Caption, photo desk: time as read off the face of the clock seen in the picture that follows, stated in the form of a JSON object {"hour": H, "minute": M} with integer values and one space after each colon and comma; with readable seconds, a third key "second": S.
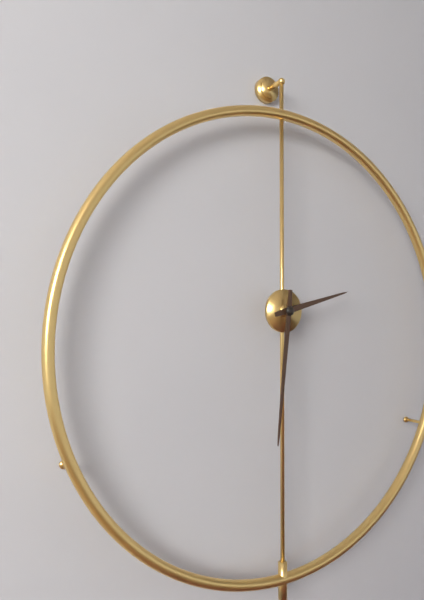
{"hour": 2, "minute": 31}
